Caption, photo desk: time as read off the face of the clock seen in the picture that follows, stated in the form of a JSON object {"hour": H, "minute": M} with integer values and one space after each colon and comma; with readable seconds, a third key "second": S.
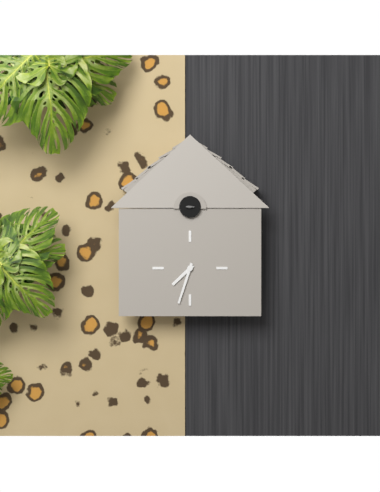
{"hour": 7, "minute": 33}
